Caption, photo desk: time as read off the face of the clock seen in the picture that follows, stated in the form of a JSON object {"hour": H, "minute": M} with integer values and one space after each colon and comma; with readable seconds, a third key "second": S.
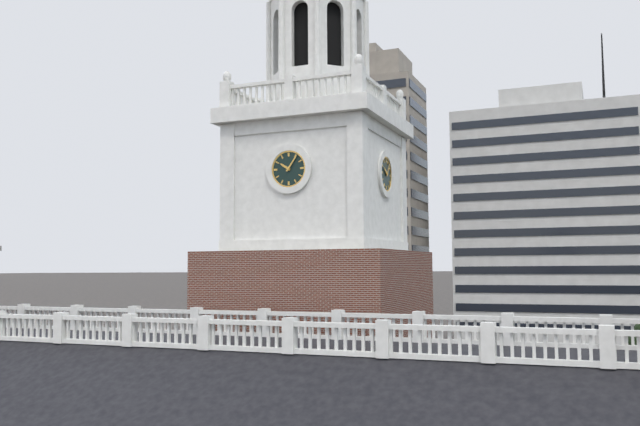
{"hour": 10, "minute": 6}
